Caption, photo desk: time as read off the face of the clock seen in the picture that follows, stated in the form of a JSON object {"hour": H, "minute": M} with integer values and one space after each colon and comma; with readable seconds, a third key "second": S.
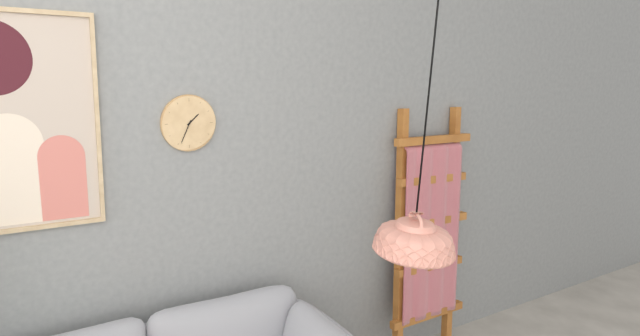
{"hour": 1, "minute": 34}
